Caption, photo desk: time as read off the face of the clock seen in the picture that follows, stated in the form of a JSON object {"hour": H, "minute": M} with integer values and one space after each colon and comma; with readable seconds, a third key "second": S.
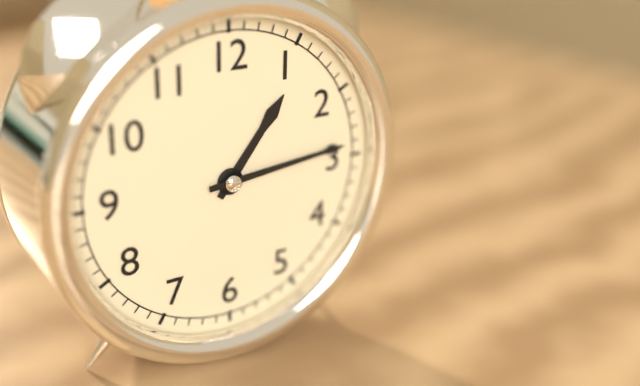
{"hour": 1, "minute": 14}
